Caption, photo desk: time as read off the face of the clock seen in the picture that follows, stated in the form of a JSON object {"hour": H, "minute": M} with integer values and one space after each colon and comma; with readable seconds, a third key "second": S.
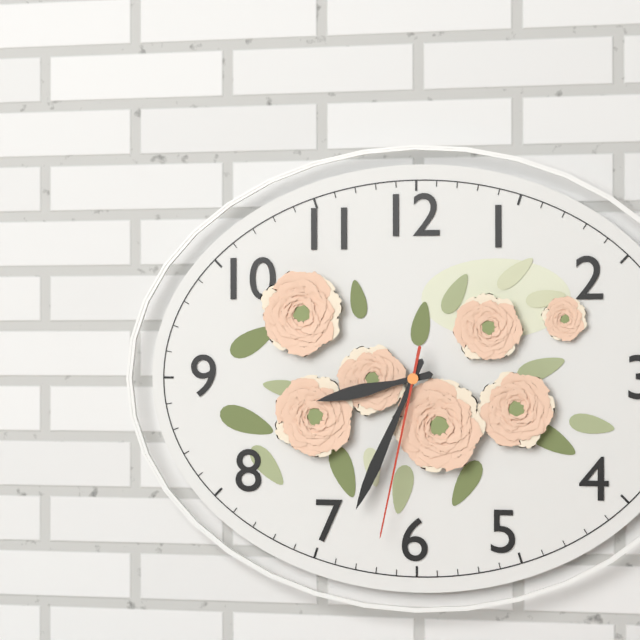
{"hour": 8, "minute": 34, "second": 32}
